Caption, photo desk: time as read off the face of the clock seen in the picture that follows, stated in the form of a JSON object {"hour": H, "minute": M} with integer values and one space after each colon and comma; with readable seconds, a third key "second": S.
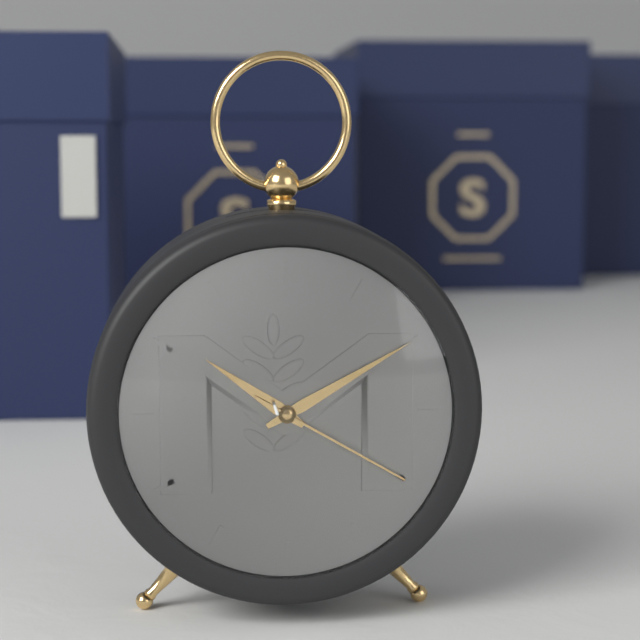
{"hour": 10, "minute": 10, "second": 20}
